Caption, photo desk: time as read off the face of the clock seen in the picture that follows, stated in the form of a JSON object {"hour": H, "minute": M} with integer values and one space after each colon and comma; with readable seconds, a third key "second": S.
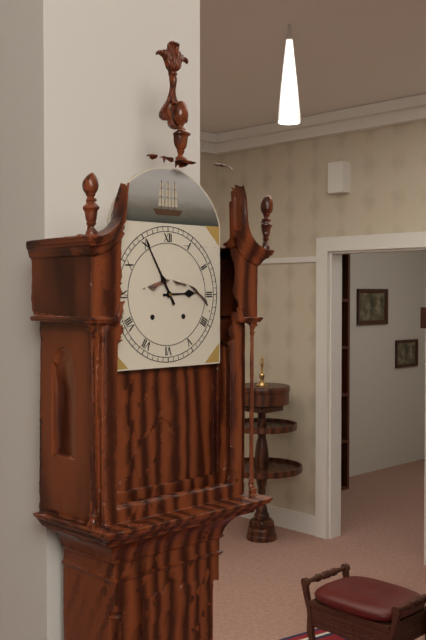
{"hour": 2, "minute": 55}
